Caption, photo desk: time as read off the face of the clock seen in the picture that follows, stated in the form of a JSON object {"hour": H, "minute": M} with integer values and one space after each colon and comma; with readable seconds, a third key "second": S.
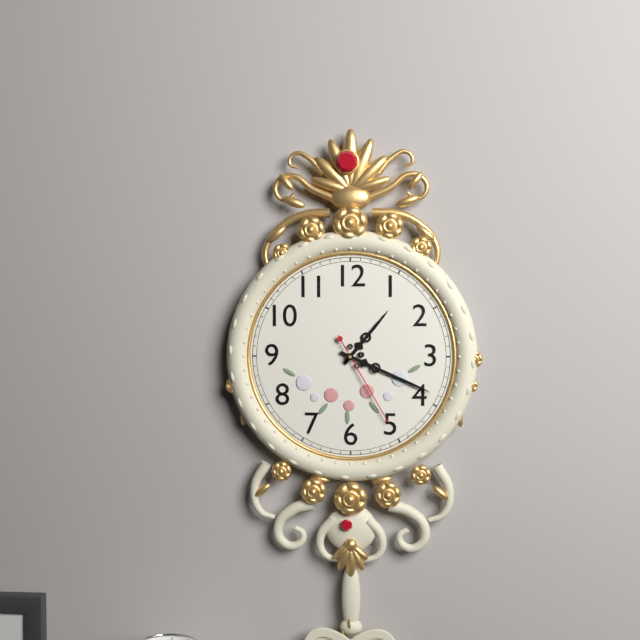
{"hour": 1, "minute": 19, "second": 25}
